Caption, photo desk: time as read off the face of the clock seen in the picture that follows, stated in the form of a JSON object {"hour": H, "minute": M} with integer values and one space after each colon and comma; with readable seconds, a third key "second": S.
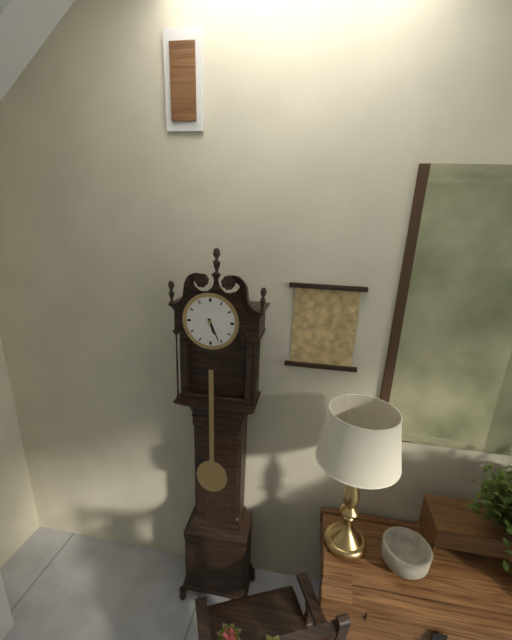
{"hour": 5, "minute": 26}
